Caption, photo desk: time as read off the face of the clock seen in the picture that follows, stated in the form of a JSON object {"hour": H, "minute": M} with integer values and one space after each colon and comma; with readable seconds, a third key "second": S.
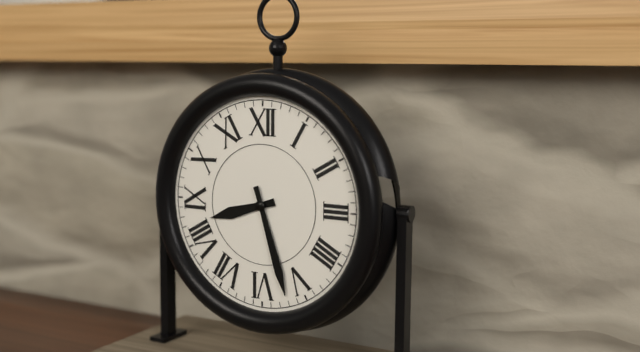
{"hour": 8, "minute": 27}
